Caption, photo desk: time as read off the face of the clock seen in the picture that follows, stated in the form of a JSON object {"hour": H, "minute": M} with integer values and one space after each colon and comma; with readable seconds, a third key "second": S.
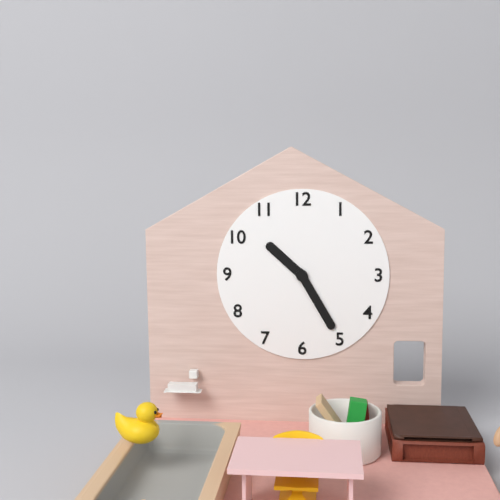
{"hour": 10, "minute": 25}
